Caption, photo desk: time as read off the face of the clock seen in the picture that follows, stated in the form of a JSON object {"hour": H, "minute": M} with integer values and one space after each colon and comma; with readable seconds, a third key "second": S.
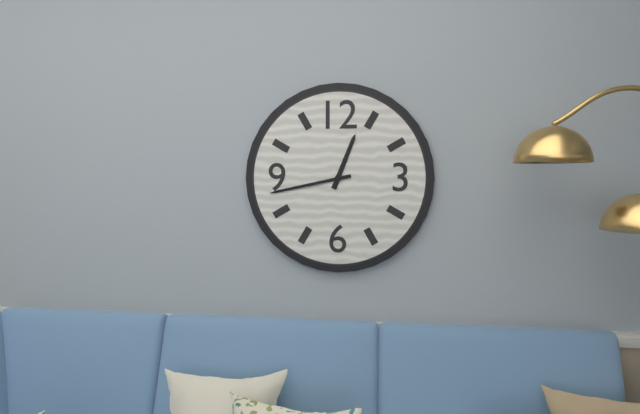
{"hour": 12, "minute": 43}
